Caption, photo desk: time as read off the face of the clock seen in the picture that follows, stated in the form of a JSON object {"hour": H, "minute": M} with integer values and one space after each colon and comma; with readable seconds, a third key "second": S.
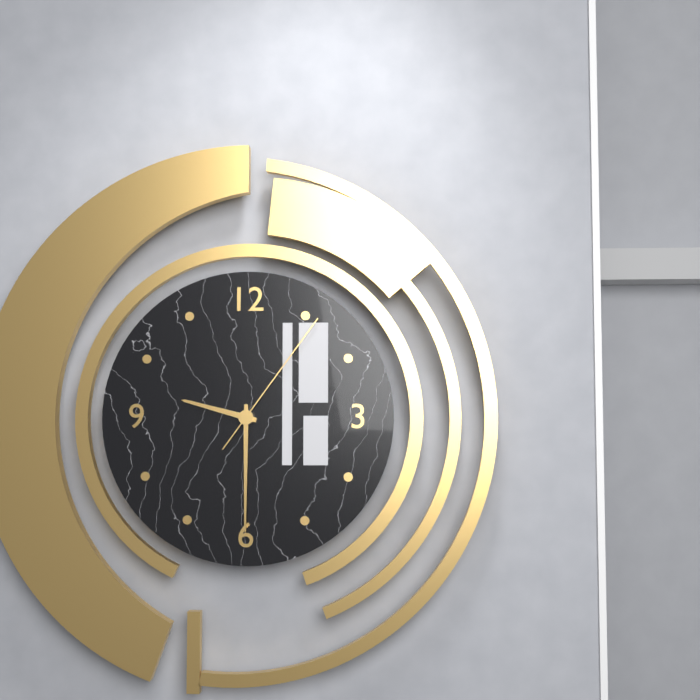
{"hour": 9, "minute": 30, "second": 6}
